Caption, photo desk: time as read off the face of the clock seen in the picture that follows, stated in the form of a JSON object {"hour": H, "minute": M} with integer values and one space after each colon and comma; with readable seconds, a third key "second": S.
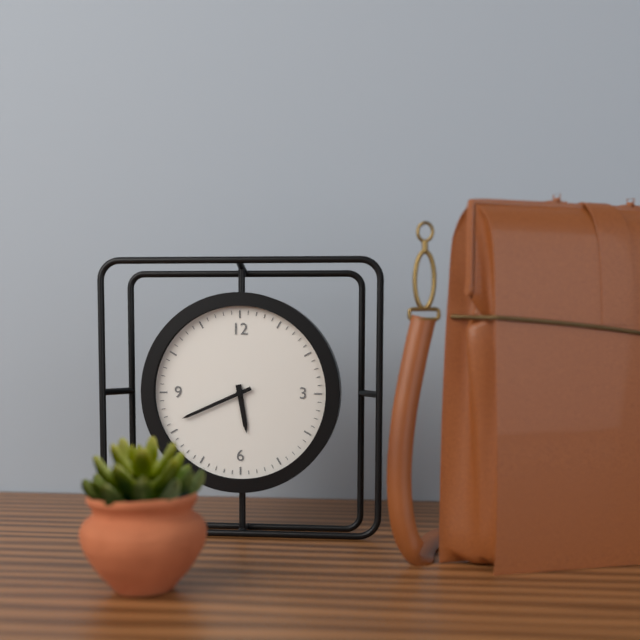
{"hour": 5, "minute": 41}
